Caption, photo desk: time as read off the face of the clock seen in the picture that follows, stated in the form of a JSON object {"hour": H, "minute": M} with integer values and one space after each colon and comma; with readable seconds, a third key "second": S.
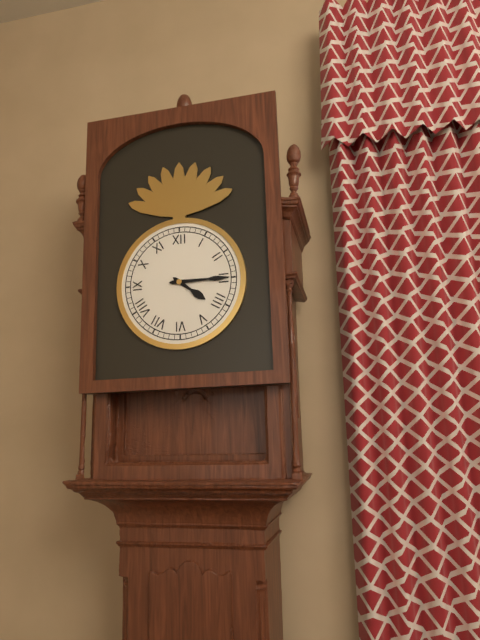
{"hour": 4, "minute": 15}
